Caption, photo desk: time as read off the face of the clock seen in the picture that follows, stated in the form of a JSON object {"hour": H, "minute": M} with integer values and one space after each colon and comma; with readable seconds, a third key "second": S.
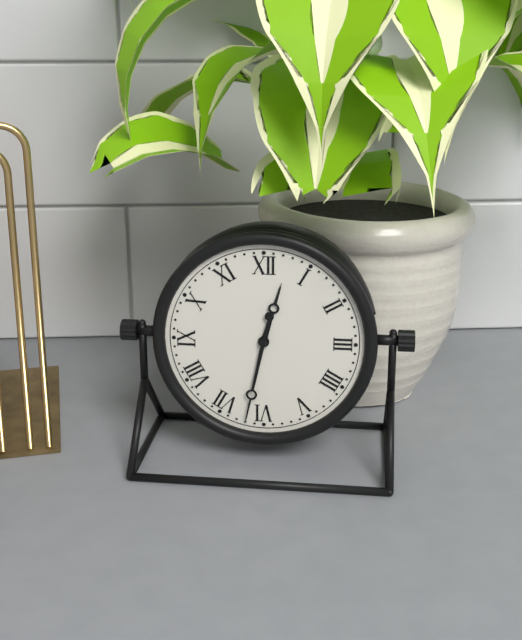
{"hour": 12, "minute": 32}
